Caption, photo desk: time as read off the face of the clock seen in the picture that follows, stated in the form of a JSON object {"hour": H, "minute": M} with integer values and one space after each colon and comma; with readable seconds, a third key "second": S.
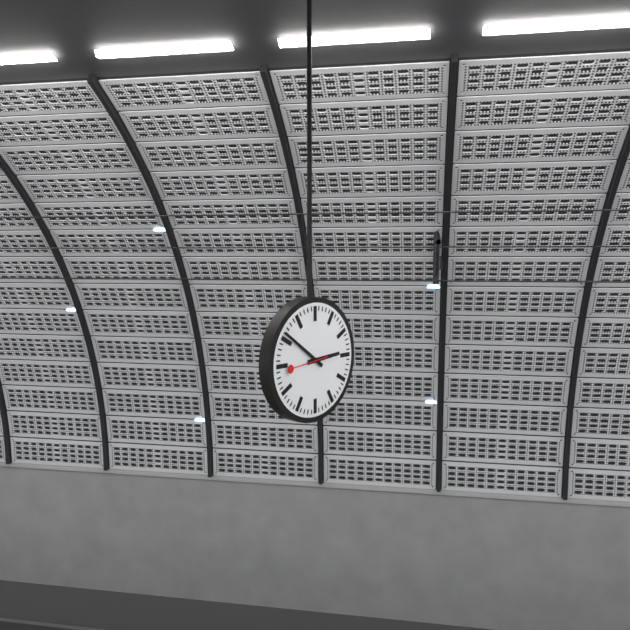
{"hour": 2, "minute": 51}
